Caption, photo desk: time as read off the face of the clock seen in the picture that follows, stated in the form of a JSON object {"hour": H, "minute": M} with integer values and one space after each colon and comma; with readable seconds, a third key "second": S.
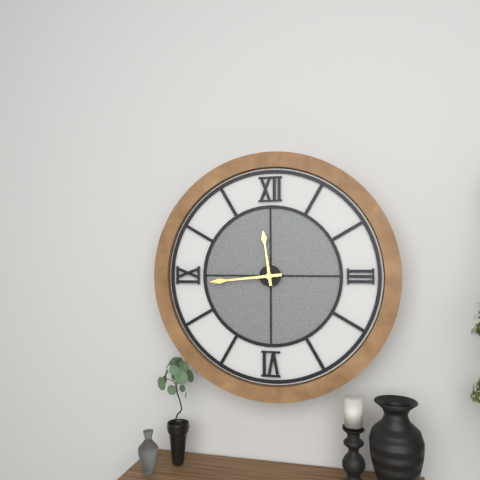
{"hour": 11, "minute": 44}
